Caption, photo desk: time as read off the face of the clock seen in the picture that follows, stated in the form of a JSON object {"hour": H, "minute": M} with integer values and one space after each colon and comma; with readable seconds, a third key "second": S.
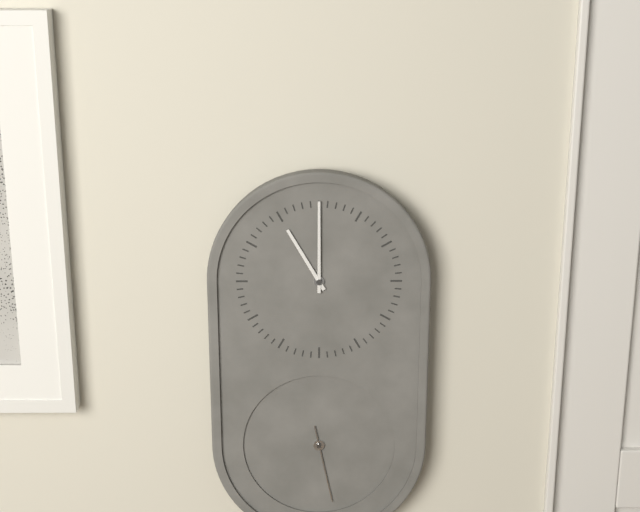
{"hour": 11, "minute": 0, "second": 28}
